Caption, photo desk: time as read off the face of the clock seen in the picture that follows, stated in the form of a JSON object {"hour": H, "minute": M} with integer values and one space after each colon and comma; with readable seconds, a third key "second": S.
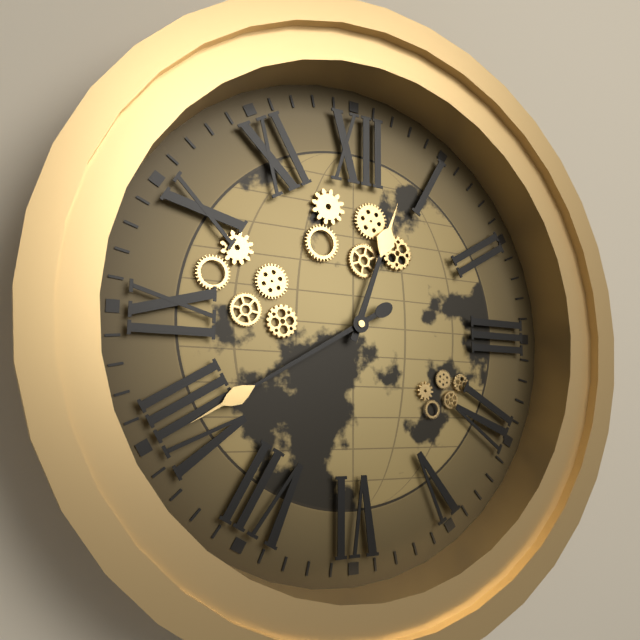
{"hour": 12, "minute": 40}
